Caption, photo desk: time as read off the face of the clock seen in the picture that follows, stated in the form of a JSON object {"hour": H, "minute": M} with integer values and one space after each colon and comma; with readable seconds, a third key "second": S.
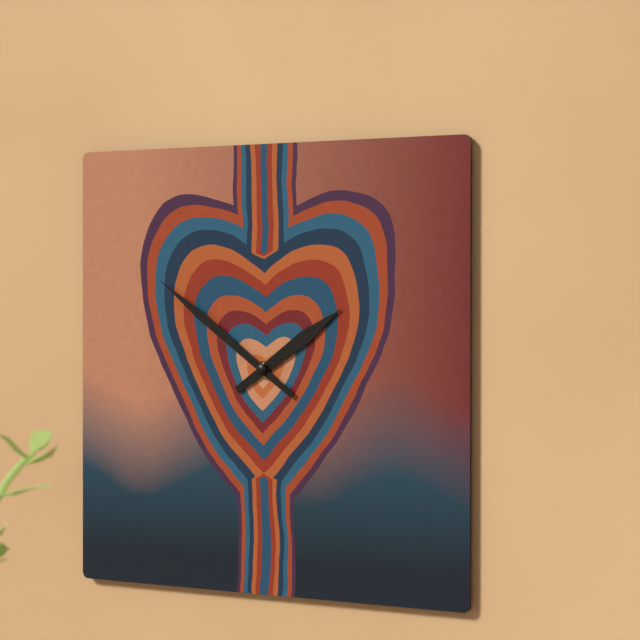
{"hour": 1, "minute": 51}
